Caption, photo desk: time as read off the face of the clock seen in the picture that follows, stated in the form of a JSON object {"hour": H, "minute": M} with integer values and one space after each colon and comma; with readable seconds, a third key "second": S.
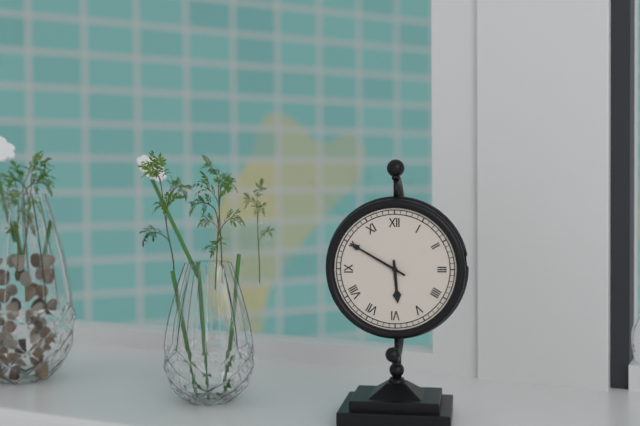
{"hour": 5, "minute": 50}
